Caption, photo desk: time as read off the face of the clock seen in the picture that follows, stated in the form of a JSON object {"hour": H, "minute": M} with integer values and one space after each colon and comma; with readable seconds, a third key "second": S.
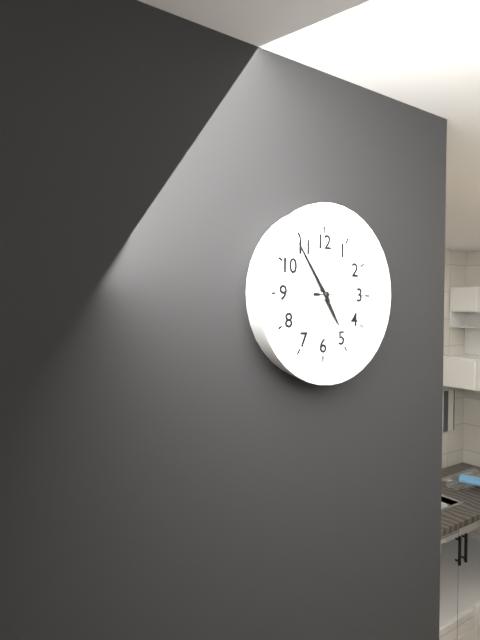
{"hour": 4, "minute": 54, "second": 15}
